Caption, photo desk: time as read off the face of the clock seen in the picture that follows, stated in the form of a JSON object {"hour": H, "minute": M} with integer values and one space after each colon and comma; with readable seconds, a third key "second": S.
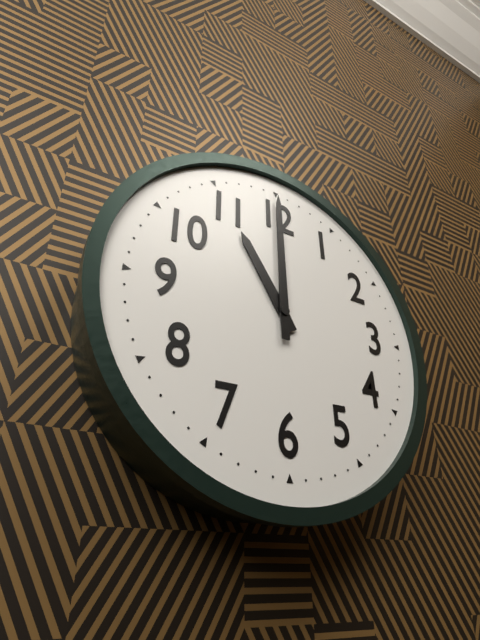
{"hour": 11, "minute": 0}
